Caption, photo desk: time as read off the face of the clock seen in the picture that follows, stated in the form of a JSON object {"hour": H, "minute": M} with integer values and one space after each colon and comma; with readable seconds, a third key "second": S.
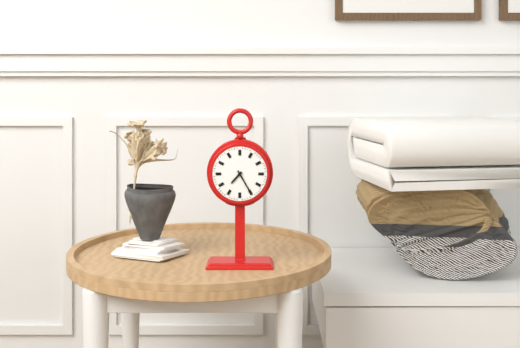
{"hour": 7, "minute": 25}
